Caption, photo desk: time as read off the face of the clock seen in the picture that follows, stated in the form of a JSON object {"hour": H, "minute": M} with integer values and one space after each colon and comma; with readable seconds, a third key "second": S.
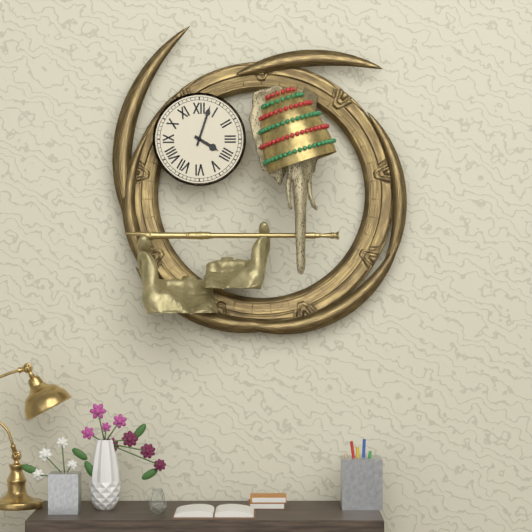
{"hour": 4, "minute": 3}
